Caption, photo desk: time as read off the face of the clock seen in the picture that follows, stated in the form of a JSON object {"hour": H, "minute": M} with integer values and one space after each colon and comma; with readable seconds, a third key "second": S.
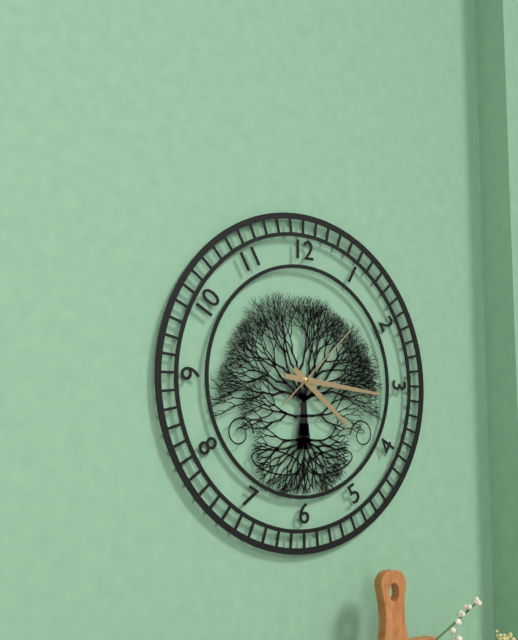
{"hour": 4, "minute": 16, "second": 8}
